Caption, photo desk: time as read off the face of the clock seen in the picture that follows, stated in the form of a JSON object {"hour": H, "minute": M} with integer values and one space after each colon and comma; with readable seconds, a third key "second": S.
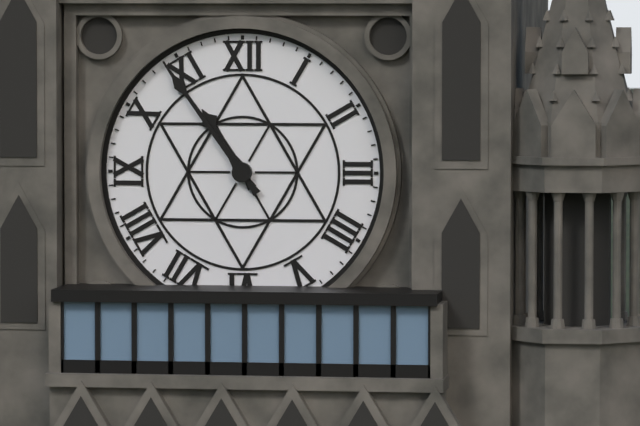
{"hour": 10, "minute": 54}
